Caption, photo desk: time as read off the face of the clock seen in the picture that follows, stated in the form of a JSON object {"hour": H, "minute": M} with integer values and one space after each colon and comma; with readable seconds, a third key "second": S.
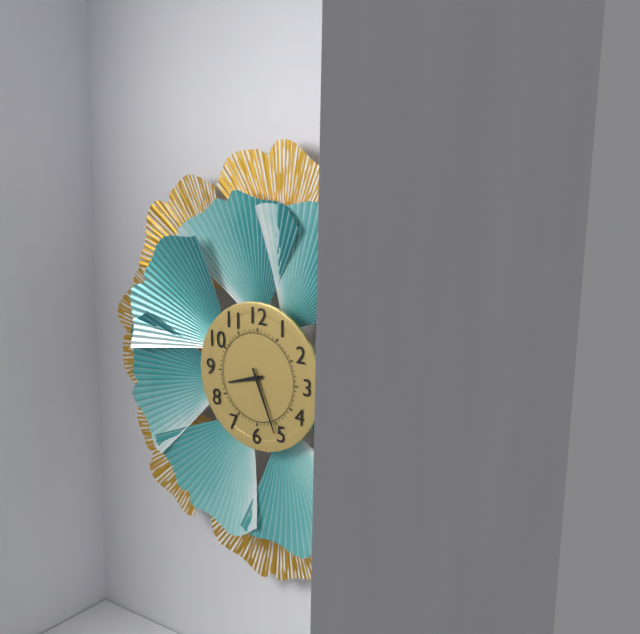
{"hour": 8, "minute": 26}
